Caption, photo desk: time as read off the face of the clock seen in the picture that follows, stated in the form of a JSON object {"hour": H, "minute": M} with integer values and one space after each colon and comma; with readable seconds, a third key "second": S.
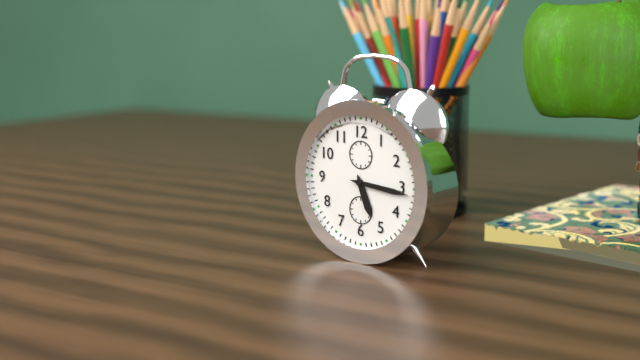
{"hour": 5, "minute": 16}
